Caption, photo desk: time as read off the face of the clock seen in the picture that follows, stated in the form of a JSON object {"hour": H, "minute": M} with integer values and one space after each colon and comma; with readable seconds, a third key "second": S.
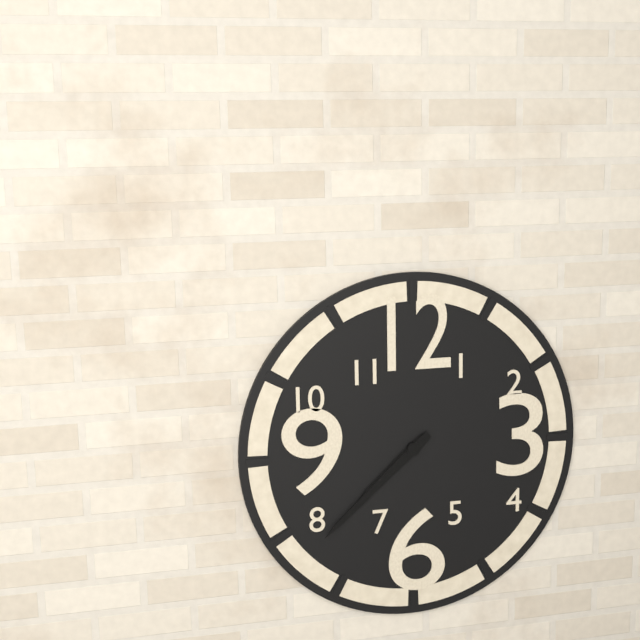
{"hour": 7, "minute": 38}
